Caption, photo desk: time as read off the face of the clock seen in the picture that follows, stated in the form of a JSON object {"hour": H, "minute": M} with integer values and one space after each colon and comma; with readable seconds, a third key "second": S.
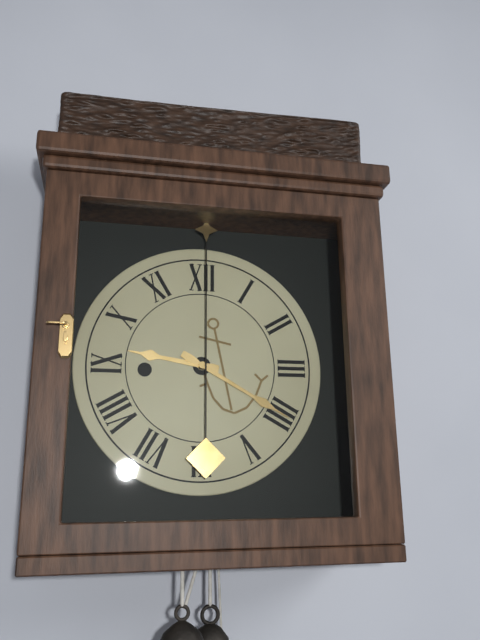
{"hour": 9, "minute": 20}
